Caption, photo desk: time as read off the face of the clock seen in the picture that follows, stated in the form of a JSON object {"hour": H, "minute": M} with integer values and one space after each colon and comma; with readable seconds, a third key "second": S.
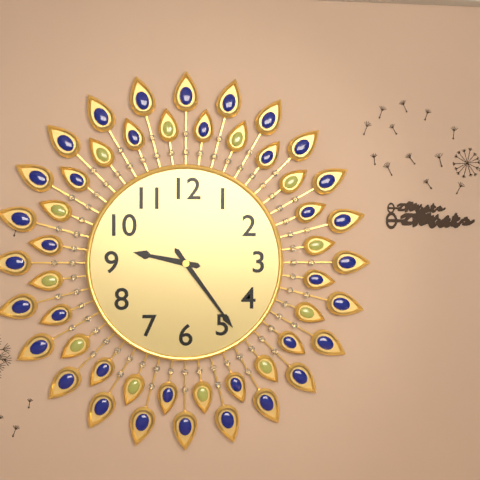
{"hour": 9, "minute": 24}
